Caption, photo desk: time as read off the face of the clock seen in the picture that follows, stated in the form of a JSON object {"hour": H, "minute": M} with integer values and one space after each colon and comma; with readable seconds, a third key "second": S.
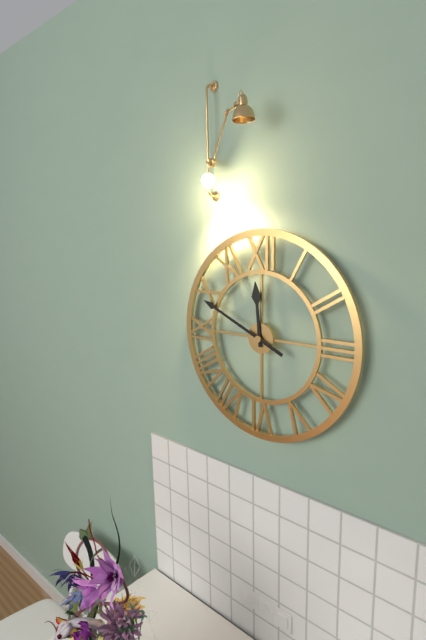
{"hour": 11, "minute": 49}
